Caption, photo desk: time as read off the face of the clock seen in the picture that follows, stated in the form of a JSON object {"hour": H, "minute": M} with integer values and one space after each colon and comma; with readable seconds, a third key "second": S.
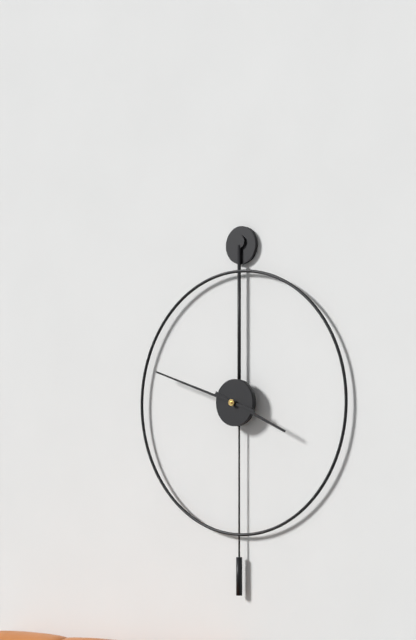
{"hour": 3, "minute": 48}
